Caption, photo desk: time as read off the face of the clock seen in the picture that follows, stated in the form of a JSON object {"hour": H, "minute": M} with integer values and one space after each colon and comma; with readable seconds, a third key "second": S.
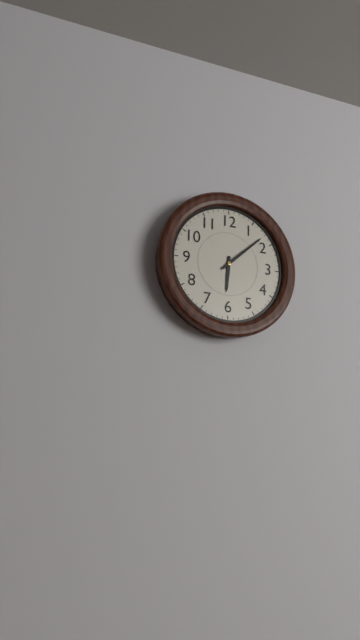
{"hour": 6, "minute": 8}
